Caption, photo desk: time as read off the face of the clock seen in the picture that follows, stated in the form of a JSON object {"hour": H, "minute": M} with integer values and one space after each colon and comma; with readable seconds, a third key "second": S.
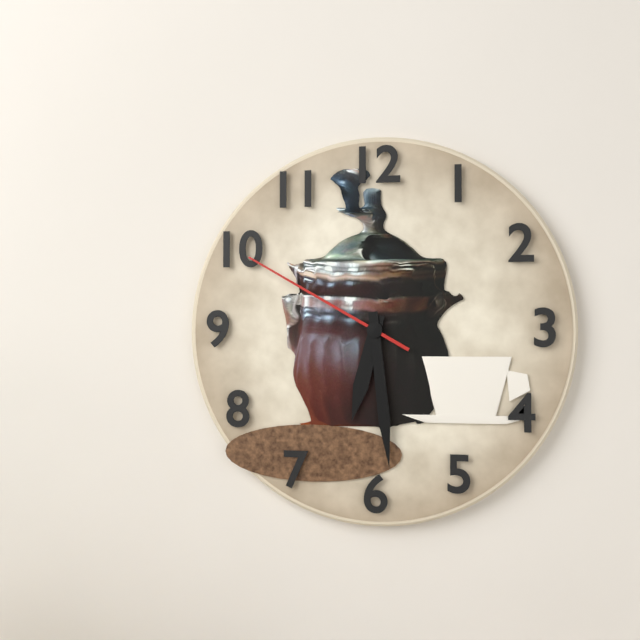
{"hour": 6, "minute": 29, "second": 50}
